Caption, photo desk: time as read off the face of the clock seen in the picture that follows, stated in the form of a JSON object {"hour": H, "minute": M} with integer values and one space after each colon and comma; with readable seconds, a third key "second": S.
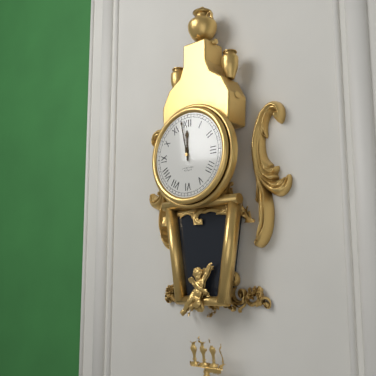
{"hour": 11, "minute": 58}
